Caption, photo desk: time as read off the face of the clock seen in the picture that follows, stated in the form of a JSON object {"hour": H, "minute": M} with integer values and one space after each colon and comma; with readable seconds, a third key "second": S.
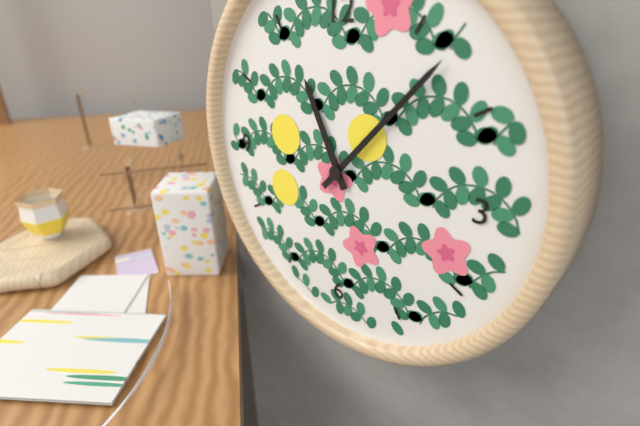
{"hour": 11, "minute": 7}
